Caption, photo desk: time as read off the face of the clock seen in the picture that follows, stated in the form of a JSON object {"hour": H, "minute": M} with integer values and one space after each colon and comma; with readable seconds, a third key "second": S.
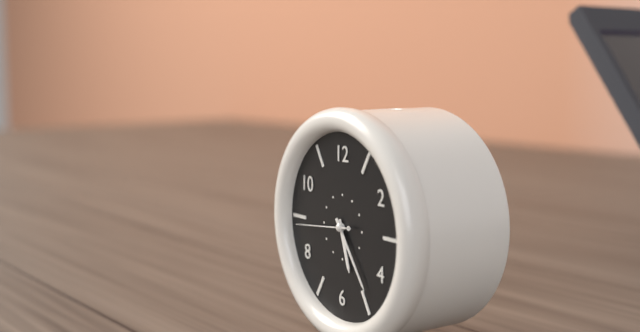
{"hour": 5, "minute": 24, "second": 44}
